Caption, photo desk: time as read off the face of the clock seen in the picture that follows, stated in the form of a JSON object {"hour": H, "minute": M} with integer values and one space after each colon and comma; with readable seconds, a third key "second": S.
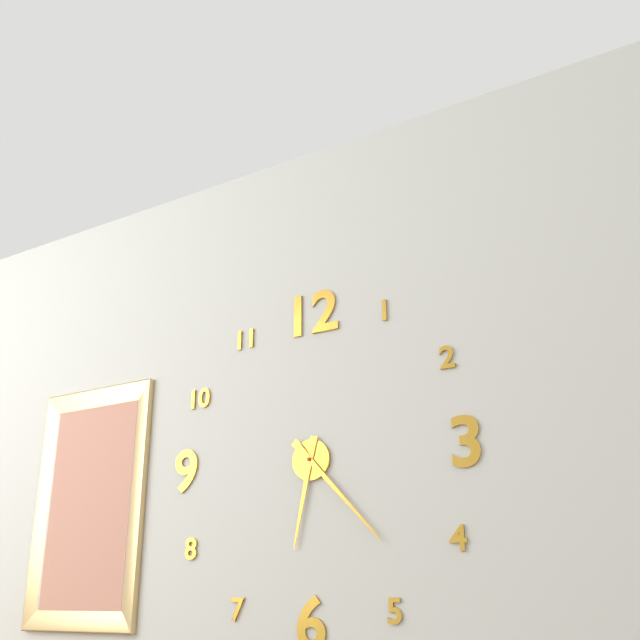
{"hour": 6, "minute": 23}
